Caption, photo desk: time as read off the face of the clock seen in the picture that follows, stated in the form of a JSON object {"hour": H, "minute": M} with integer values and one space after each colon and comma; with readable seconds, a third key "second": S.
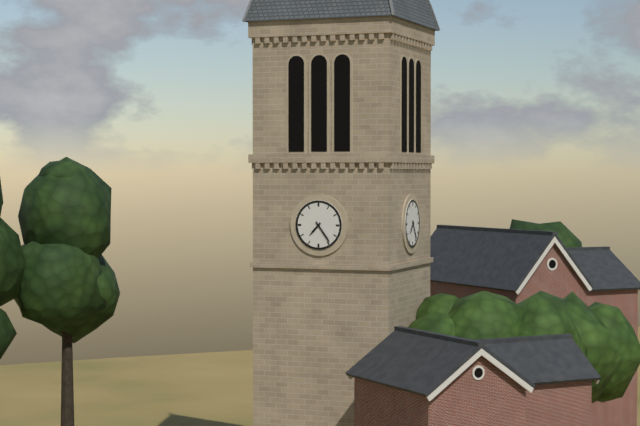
{"hour": 7, "minute": 24}
